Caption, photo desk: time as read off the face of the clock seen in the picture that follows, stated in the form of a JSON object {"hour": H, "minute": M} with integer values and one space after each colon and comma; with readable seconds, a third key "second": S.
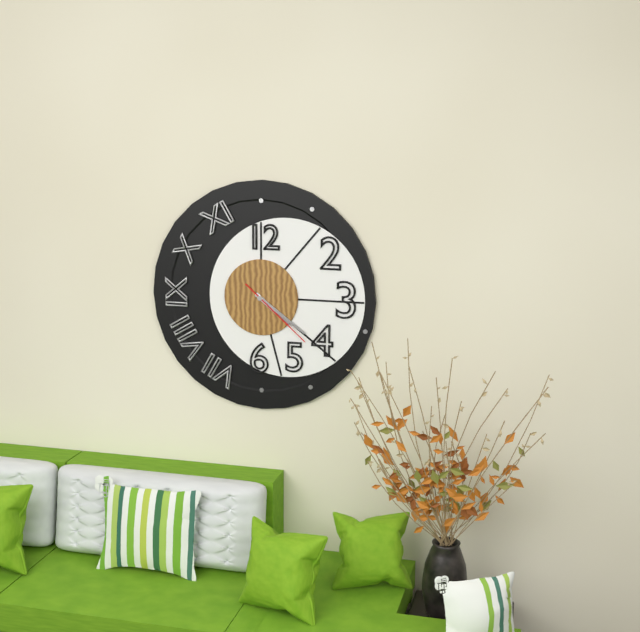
{"hour": 4, "minute": 21, "second": 22}
